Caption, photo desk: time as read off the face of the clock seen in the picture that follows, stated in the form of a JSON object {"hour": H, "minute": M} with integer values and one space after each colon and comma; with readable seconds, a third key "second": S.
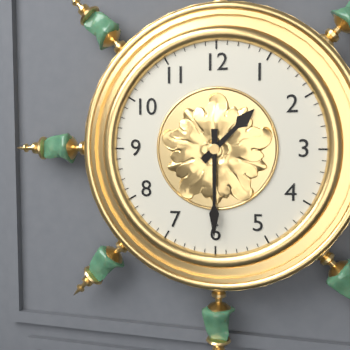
{"hour": 1, "minute": 30}
